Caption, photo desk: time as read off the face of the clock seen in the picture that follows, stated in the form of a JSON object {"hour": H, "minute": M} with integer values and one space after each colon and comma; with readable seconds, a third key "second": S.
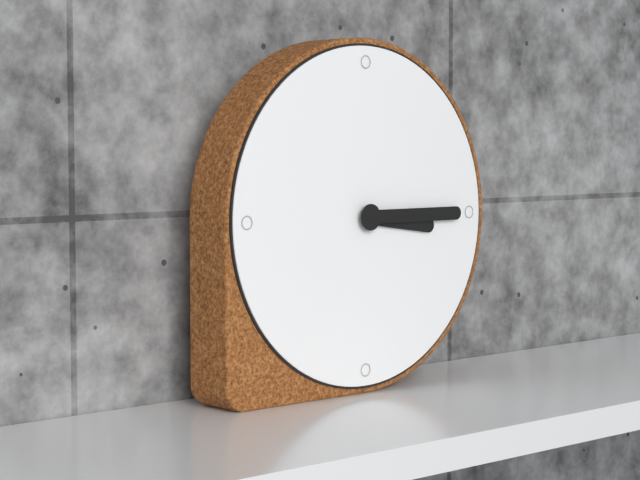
{"hour": 3, "minute": 15}
